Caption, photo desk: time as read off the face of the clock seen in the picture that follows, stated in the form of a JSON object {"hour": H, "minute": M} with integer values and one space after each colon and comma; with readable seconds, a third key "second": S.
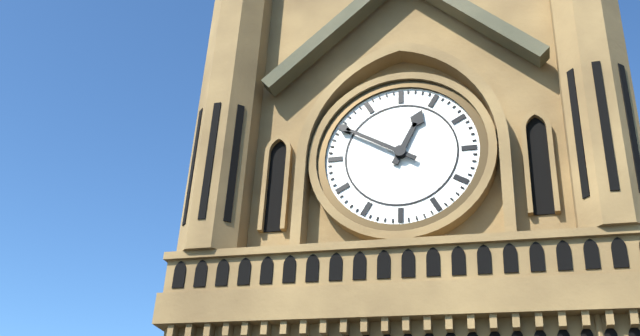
{"hour": 12, "minute": 50}
